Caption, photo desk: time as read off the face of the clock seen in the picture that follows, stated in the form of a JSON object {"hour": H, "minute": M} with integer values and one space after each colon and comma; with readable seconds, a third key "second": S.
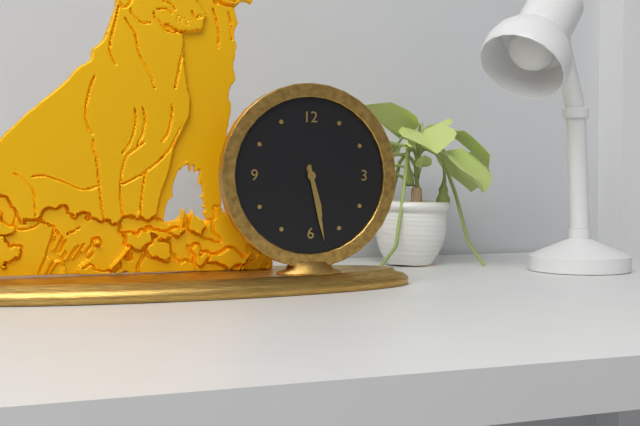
{"hour": 5, "minute": 28}
